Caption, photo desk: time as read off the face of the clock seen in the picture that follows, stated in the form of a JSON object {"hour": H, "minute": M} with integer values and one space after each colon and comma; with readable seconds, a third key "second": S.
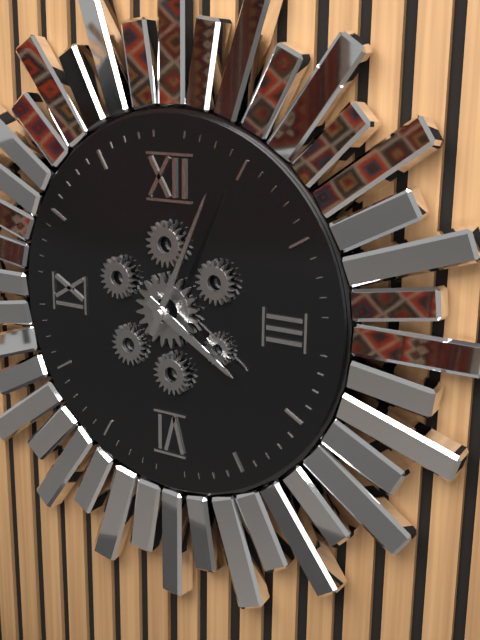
{"hour": 4, "minute": 4}
